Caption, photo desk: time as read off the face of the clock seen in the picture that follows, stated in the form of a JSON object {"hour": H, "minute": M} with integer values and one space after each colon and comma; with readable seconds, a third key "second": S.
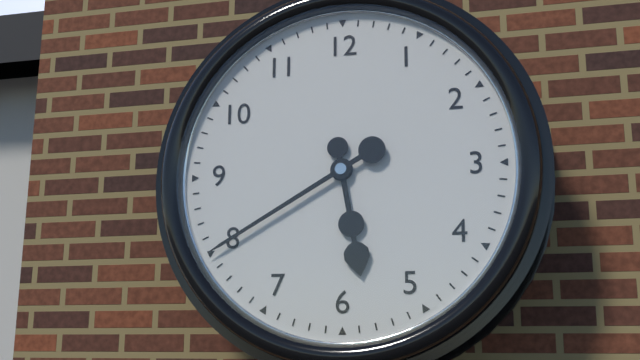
{"hour": 5, "minute": 40}
